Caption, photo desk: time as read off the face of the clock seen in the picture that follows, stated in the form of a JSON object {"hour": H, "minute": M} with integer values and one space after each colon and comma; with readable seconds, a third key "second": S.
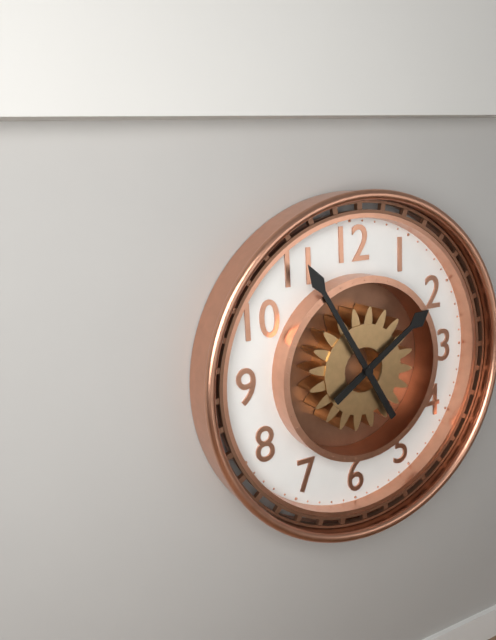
{"hour": 1, "minute": 55}
